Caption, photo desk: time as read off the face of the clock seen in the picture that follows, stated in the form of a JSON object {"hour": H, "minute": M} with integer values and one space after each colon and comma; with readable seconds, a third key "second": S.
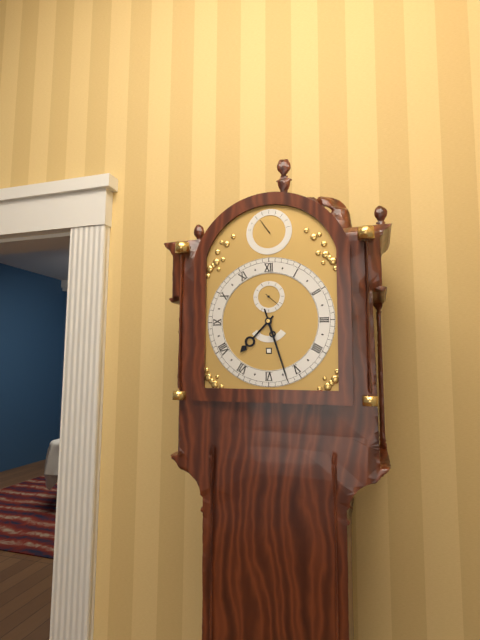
{"hour": 7, "minute": 27}
